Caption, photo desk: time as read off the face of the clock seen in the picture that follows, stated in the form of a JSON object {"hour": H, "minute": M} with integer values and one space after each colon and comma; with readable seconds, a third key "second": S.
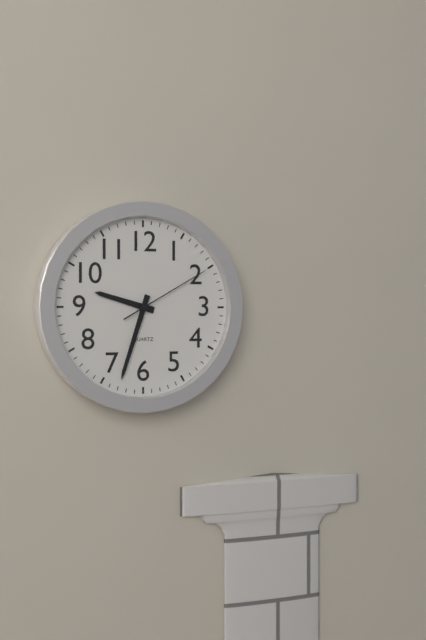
{"hour": 9, "minute": 33, "second": 10}
